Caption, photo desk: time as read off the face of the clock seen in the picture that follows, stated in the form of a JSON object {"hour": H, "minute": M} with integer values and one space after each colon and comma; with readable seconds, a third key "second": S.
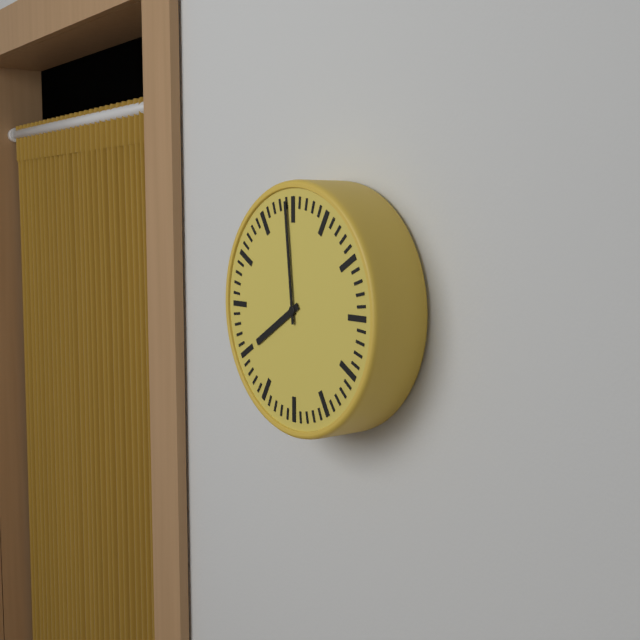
{"hour": 7, "minute": 59}
